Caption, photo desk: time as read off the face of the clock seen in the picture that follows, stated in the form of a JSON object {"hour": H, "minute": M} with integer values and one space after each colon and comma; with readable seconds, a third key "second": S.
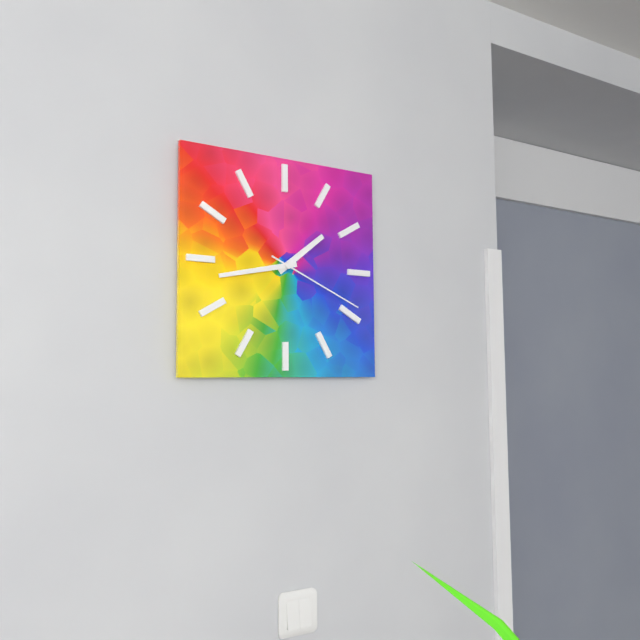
{"hour": 1, "minute": 43, "second": 19}
